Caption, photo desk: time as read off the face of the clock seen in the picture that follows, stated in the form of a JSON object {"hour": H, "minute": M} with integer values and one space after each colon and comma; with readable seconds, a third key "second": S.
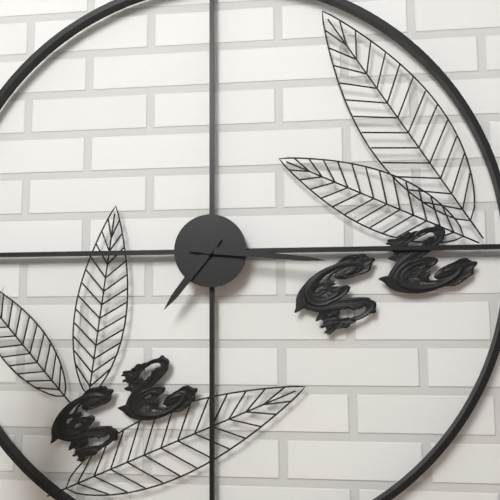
{"hour": 7, "minute": 16}
